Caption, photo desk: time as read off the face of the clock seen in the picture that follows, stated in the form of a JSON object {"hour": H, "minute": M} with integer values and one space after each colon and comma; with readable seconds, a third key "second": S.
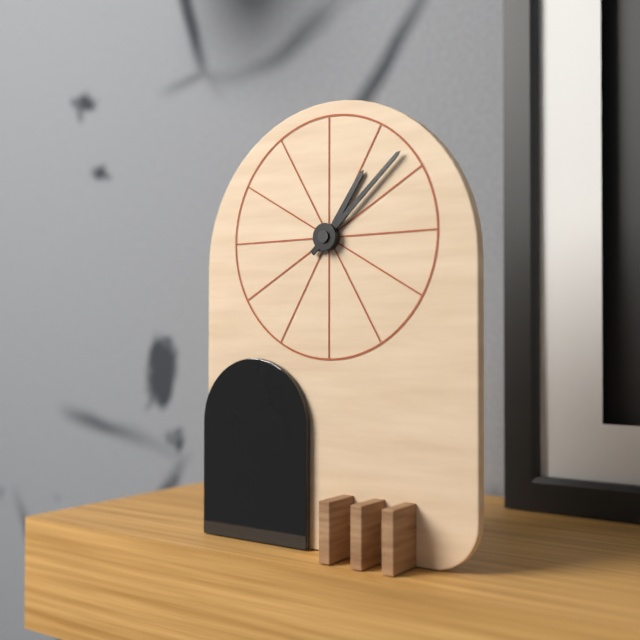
{"hour": 1, "minute": 8}
